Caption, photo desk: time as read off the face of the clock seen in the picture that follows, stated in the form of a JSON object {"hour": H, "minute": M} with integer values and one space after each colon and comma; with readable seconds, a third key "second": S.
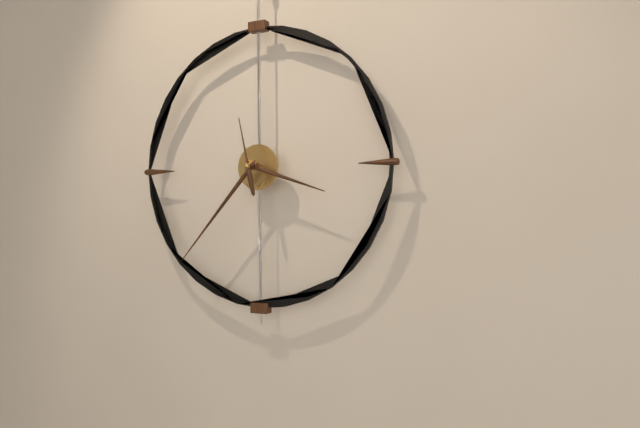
{"hour": 3, "minute": 37, "second": 58}
